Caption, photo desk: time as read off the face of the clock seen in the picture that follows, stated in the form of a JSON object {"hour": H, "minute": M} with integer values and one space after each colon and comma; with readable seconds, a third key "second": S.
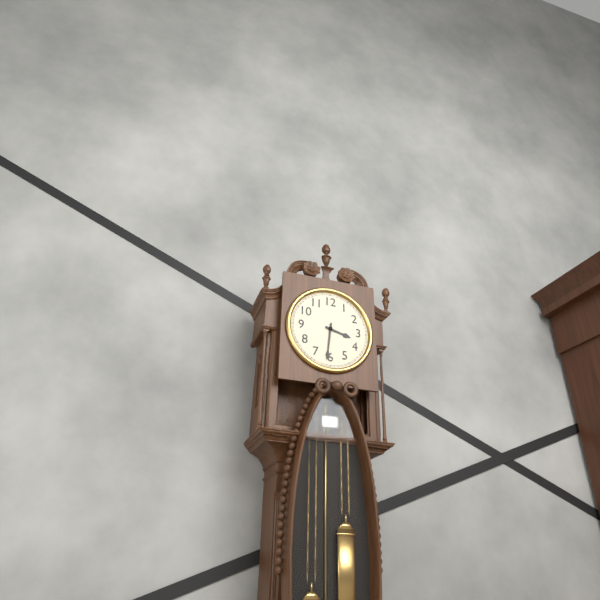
{"hour": 3, "minute": 31}
